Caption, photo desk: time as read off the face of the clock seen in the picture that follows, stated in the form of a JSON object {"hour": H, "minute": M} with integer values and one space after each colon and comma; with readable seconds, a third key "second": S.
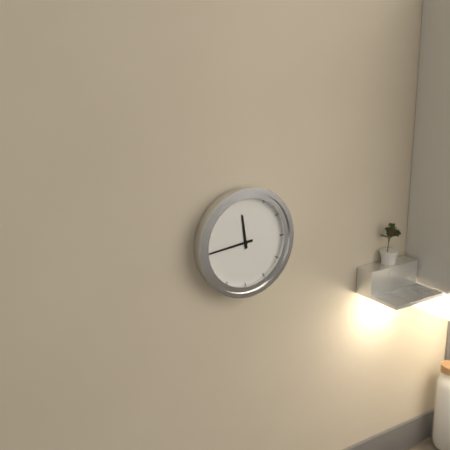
{"hour": 11, "minute": 44}
